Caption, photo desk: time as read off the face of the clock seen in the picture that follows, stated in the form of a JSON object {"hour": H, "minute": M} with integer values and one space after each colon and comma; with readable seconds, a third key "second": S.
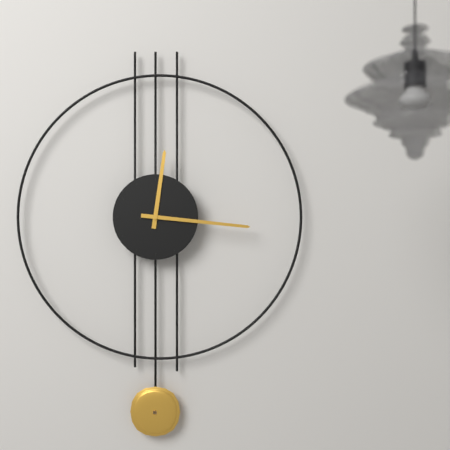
{"hour": 12, "minute": 16}
